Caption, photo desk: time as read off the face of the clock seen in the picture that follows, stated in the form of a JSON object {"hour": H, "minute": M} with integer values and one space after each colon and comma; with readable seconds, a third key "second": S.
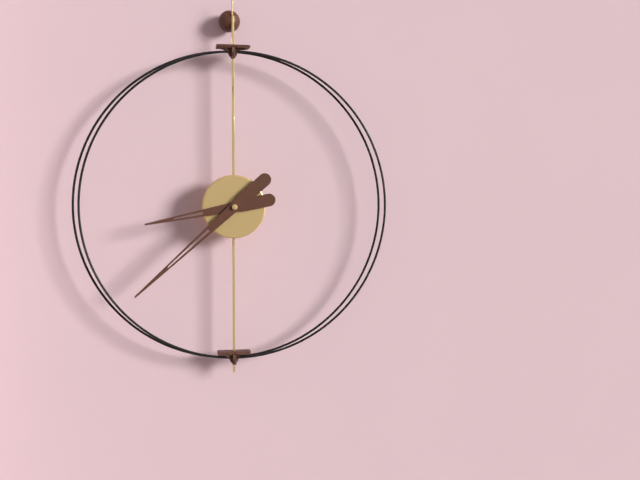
{"hour": 8, "minute": 38}
